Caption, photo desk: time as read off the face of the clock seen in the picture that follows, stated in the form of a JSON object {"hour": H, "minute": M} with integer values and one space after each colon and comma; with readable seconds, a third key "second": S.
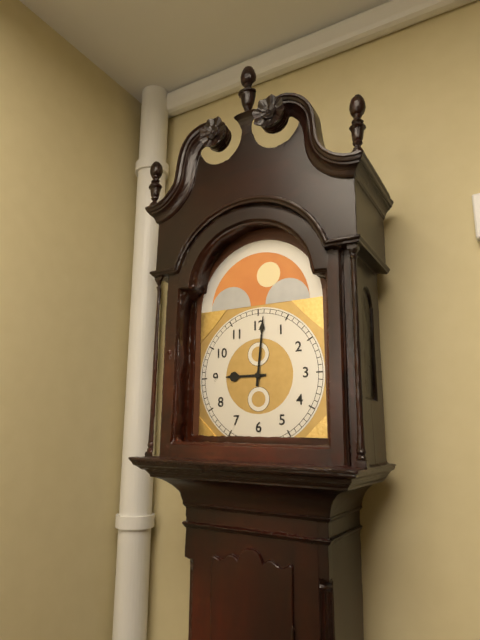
{"hour": 9, "minute": 1}
